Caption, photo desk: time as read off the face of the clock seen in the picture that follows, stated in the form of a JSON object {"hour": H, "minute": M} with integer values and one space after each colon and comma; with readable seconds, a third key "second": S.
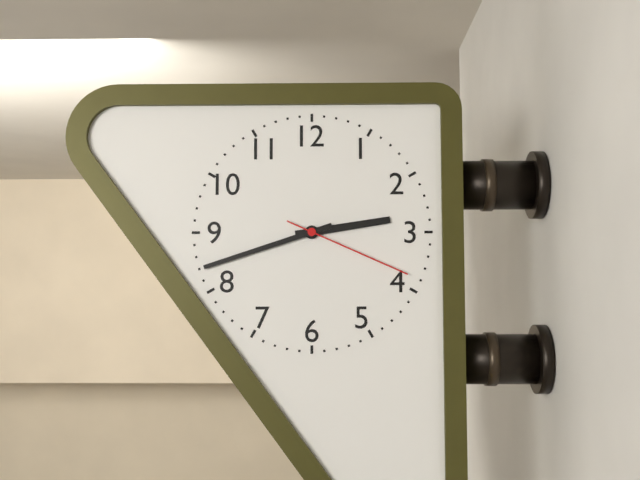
{"hour": 2, "minute": 42, "second": 19}
